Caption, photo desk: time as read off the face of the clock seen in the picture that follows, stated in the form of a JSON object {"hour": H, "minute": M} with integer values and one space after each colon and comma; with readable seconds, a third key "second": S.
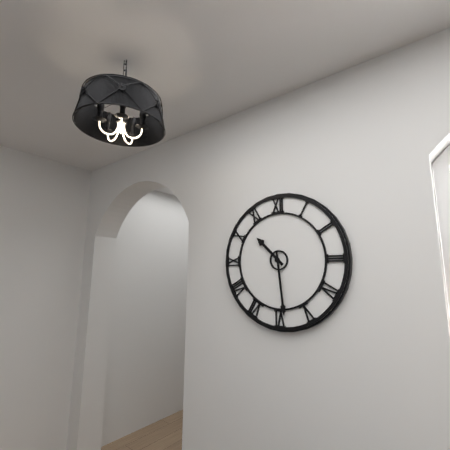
{"hour": 10, "minute": 29}
